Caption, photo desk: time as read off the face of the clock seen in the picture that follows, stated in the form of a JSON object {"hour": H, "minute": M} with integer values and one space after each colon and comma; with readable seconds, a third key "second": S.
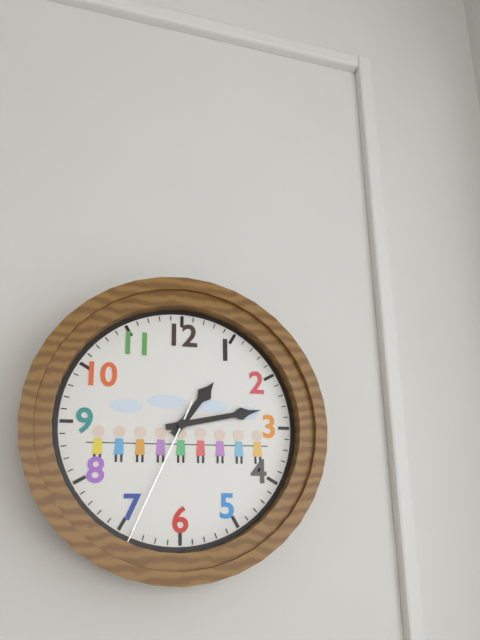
{"hour": 1, "minute": 13, "second": 34}
